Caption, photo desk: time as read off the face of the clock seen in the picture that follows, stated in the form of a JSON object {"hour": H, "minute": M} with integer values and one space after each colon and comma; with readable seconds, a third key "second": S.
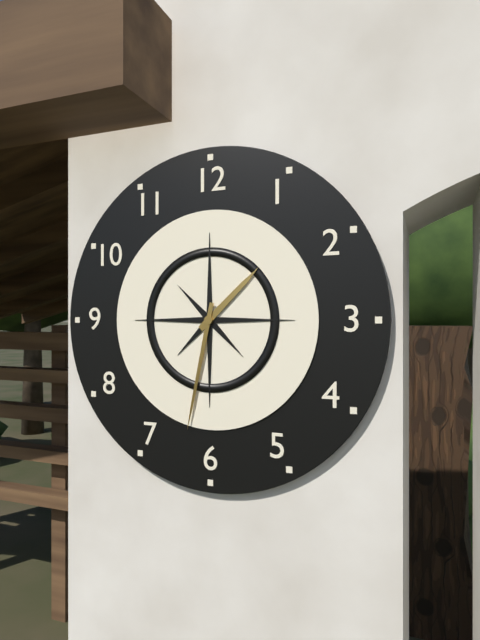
{"hour": 1, "minute": 32}
